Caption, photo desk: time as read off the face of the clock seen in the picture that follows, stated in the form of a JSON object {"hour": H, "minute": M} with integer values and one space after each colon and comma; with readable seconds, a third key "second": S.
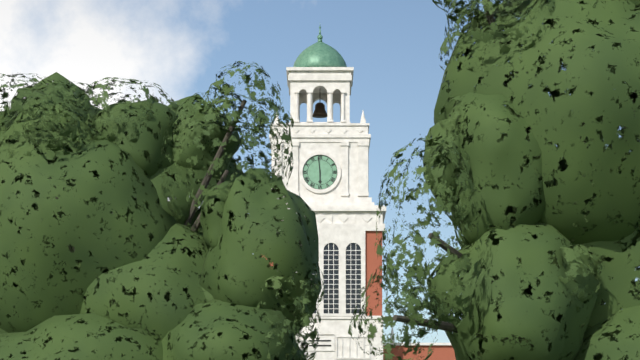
{"hour": 5, "minute": 59}
